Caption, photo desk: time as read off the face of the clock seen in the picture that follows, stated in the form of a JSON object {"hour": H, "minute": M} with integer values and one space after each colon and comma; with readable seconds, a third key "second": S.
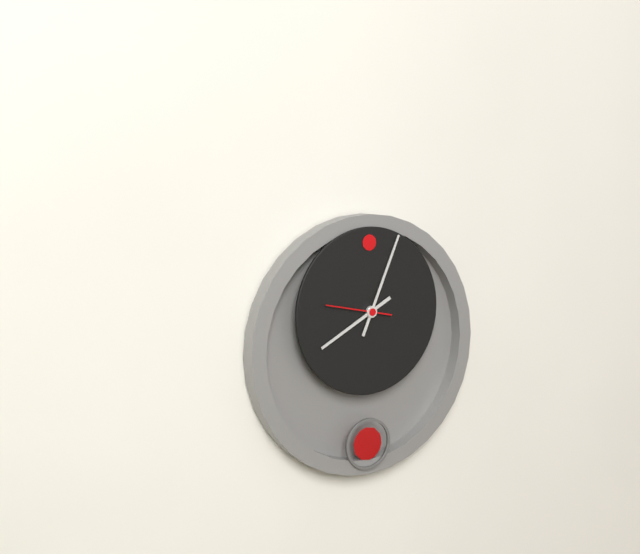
{"hour": 8, "minute": 4, "second": 47}
